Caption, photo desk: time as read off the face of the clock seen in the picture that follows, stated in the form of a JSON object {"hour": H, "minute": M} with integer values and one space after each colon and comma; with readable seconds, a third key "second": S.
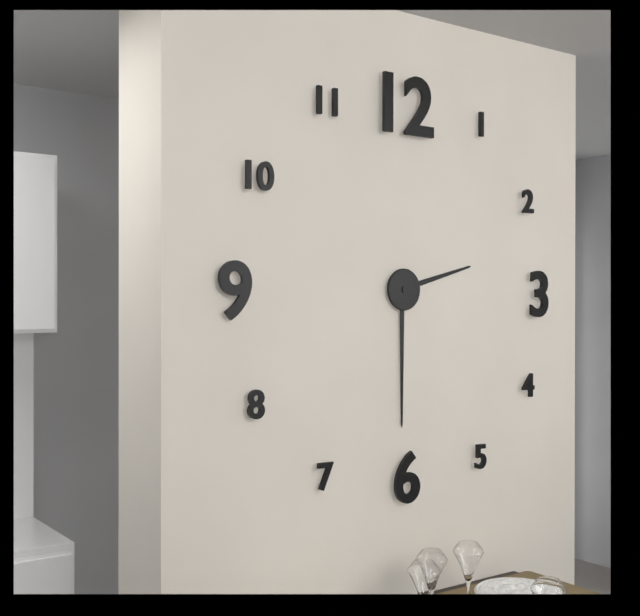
{"hour": 2, "minute": 30}
